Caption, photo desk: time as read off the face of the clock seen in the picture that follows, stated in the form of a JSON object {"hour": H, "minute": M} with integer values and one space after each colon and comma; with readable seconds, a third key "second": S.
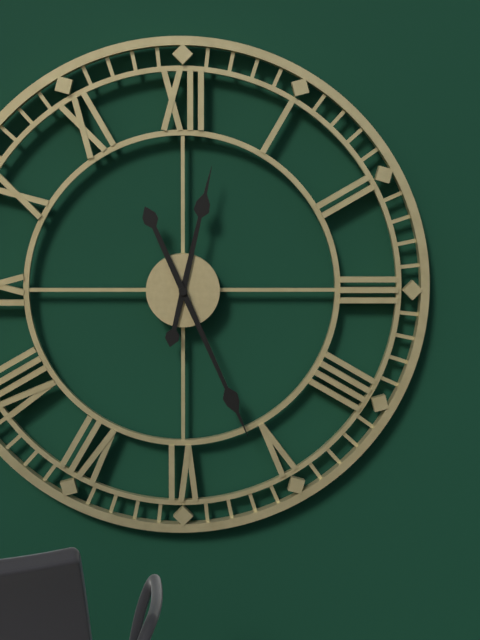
{"hour": 12, "minute": 26}
